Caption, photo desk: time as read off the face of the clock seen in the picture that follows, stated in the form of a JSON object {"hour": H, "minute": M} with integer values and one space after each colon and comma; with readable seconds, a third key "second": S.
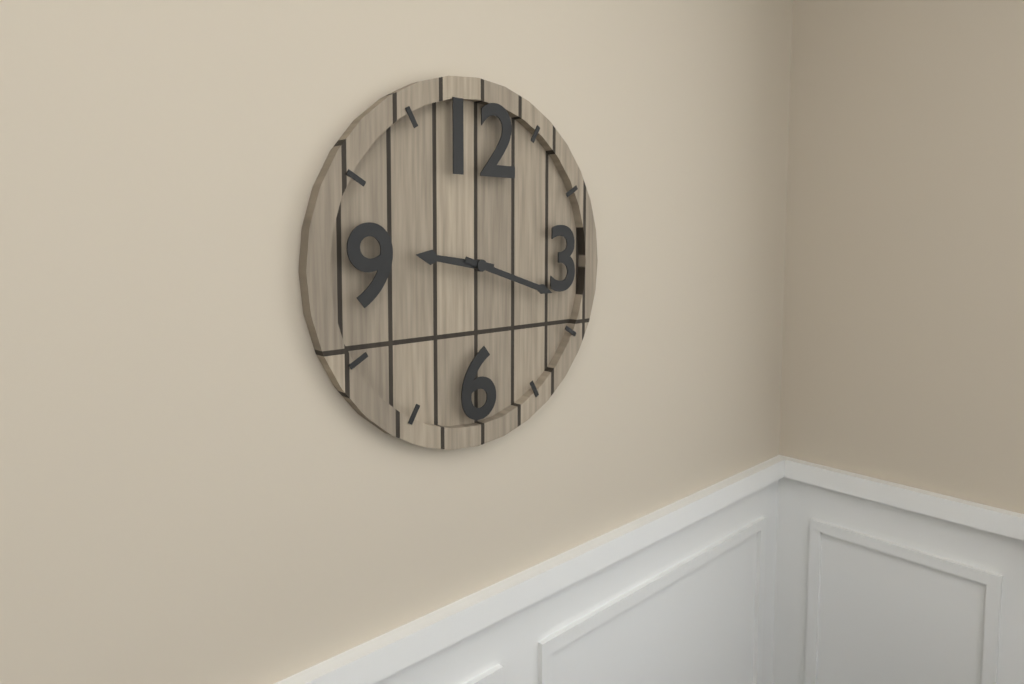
{"hour": 9, "minute": 18}
